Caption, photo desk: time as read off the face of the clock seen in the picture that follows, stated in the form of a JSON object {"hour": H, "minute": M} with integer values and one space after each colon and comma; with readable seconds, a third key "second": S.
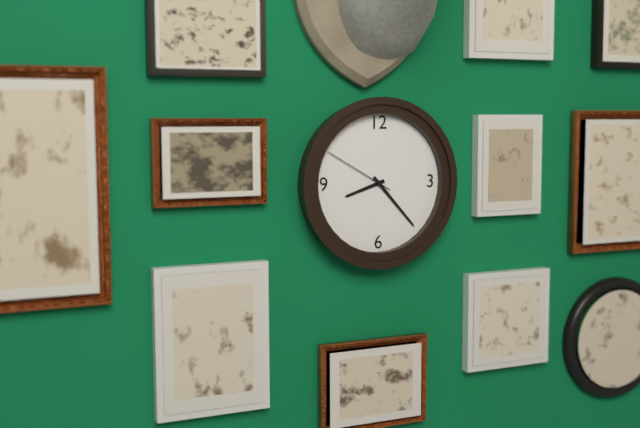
{"hour": 8, "minute": 23, "second": 50}
